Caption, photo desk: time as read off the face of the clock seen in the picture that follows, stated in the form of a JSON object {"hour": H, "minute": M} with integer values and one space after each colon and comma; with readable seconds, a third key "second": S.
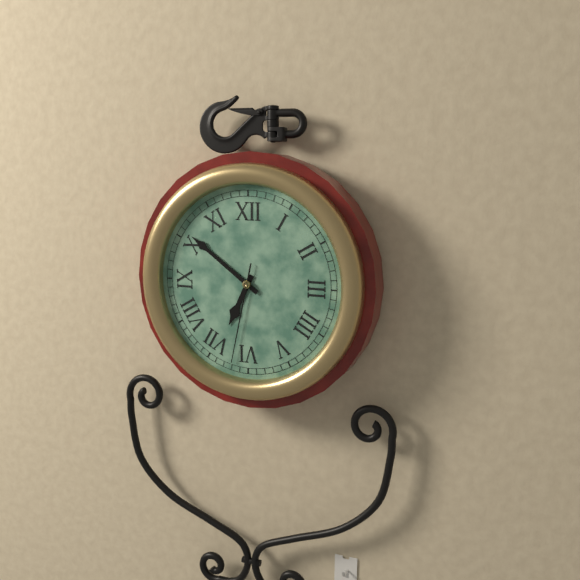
{"hour": 6, "minute": 51, "second": 32}
